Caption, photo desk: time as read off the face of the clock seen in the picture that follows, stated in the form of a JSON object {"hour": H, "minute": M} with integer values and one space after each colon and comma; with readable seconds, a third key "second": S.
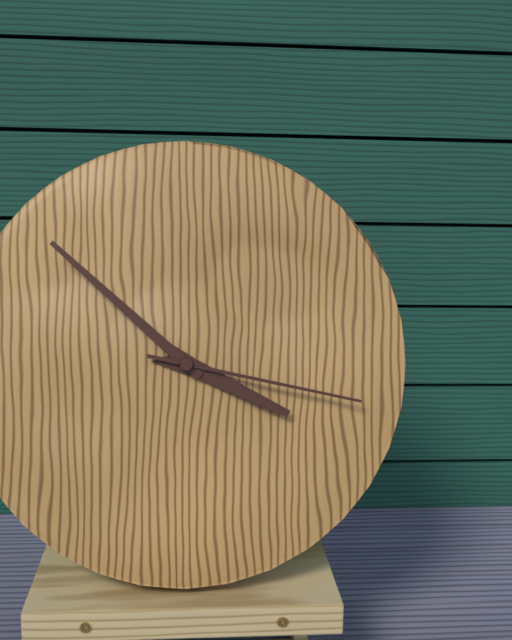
{"hour": 3, "minute": 52, "second": 17}
